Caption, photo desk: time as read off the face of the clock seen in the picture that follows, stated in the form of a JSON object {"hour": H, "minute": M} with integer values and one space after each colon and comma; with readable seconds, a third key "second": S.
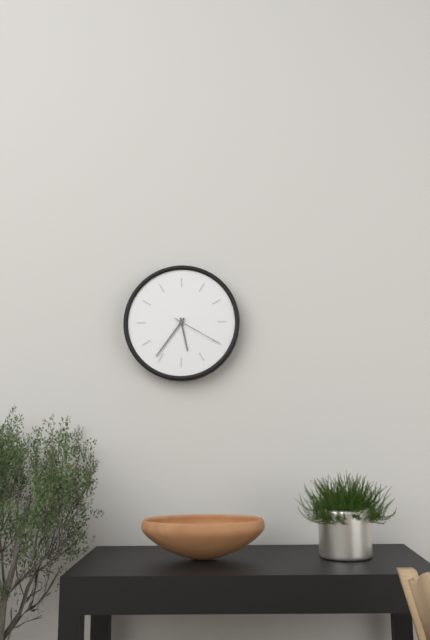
{"hour": 5, "minute": 36, "second": 20}
